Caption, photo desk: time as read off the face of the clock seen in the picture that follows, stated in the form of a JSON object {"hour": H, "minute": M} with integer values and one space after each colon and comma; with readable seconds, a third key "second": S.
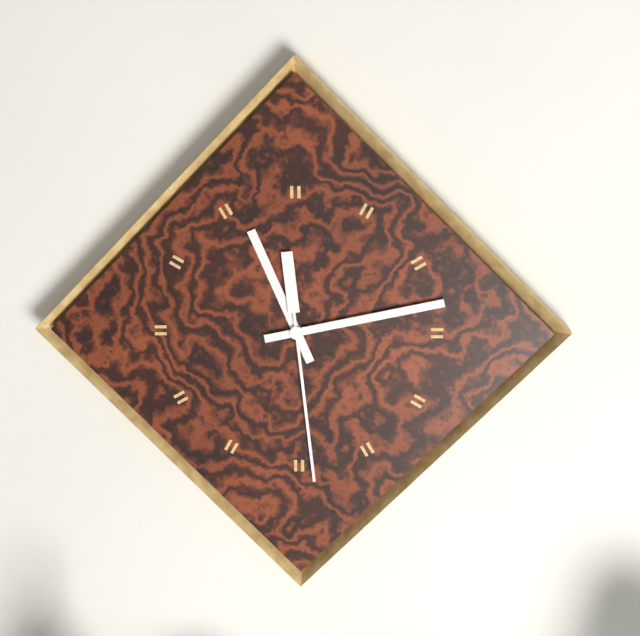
{"hour": 11, "minute": 13, "second": 29}
